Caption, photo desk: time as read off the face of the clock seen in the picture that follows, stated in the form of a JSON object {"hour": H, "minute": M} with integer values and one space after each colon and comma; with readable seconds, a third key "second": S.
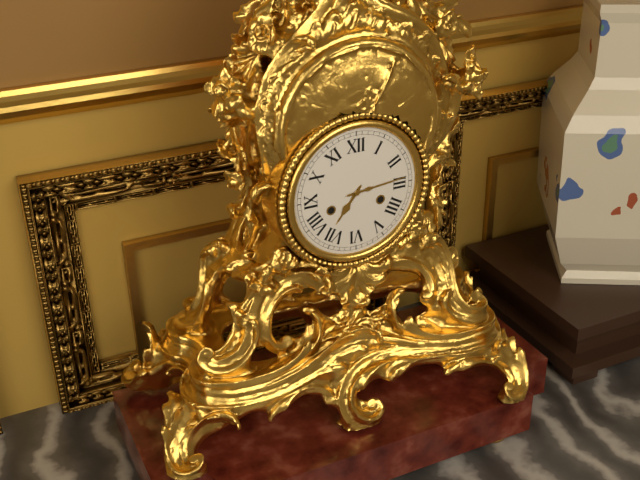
{"hour": 7, "minute": 14}
